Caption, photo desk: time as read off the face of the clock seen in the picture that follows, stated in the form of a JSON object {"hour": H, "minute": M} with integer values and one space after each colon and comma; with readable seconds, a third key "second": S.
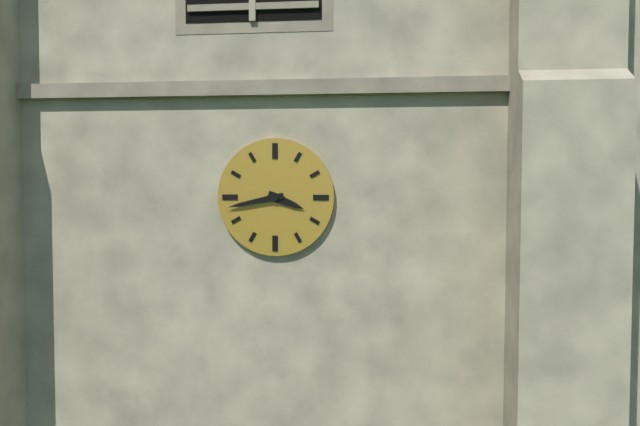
{"hour": 3, "minute": 43}
